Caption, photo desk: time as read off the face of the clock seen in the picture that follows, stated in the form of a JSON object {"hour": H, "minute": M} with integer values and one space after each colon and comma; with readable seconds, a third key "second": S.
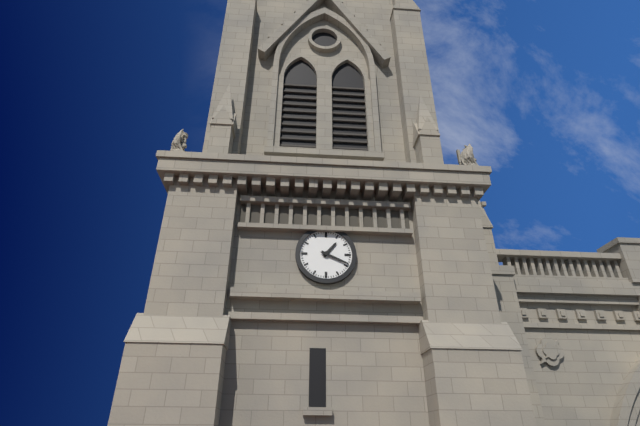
{"hour": 1, "minute": 19}
